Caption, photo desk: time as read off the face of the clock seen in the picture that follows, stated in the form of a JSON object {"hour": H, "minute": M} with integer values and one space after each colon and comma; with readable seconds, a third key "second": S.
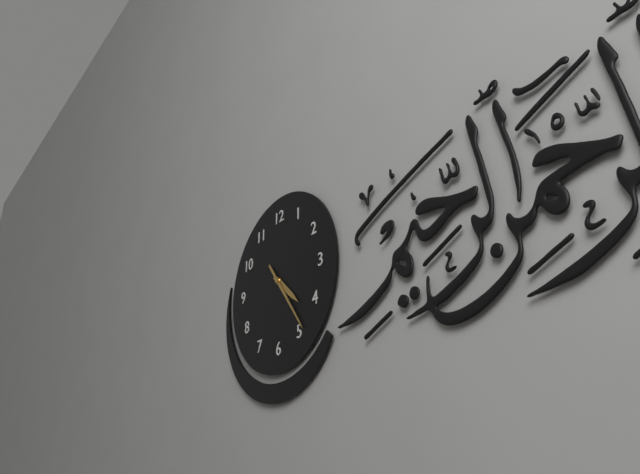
{"hour": 4, "minute": 24}
